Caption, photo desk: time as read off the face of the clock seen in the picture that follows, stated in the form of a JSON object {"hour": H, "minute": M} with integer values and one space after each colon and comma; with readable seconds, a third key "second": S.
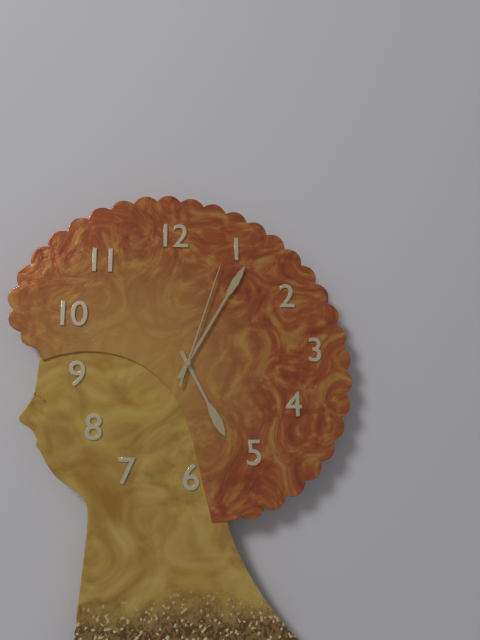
{"hour": 5, "minute": 5, "second": 3}
